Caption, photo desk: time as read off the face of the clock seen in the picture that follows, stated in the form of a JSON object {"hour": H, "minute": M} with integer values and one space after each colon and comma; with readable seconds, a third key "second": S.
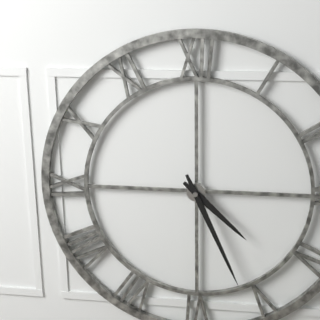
{"hour": 4, "minute": 26}
